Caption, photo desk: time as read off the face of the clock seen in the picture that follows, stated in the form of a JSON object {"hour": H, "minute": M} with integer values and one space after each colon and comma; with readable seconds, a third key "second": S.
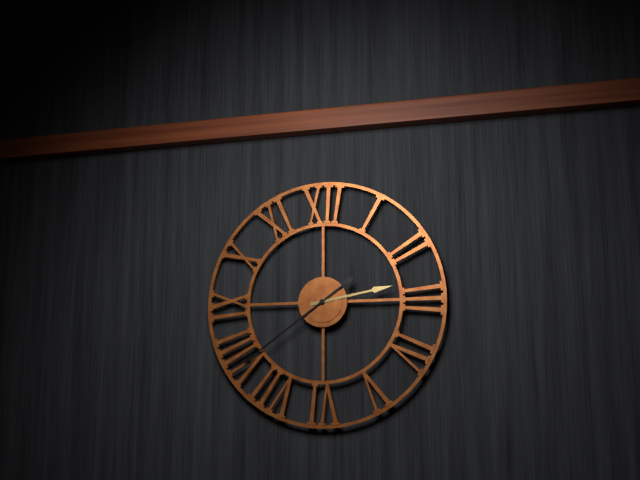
{"hour": 2, "minute": 39}
